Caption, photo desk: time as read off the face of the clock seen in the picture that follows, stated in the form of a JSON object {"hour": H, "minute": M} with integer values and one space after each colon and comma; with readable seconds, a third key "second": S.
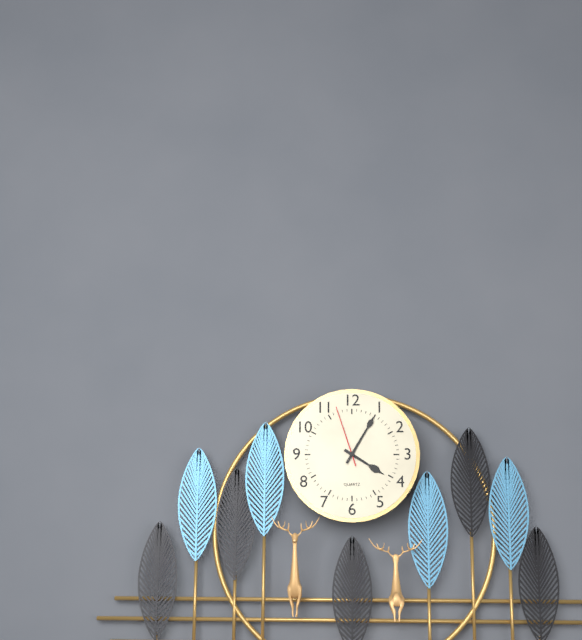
{"hour": 4, "minute": 5, "second": 57}
